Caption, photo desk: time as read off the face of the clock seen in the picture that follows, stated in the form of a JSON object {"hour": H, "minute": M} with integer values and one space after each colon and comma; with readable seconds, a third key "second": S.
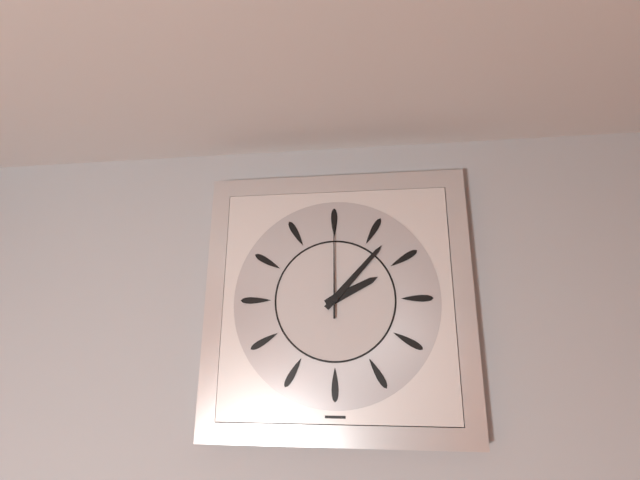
{"hour": 2, "minute": 7, "second": 0}
